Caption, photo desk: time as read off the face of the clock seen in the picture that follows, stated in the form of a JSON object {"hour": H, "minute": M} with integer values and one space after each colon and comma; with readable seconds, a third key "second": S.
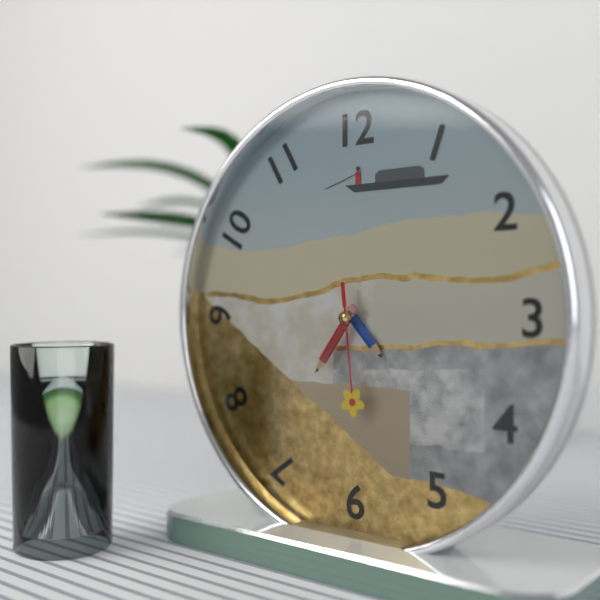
{"hour": 4, "minute": 36, "second": 29}
